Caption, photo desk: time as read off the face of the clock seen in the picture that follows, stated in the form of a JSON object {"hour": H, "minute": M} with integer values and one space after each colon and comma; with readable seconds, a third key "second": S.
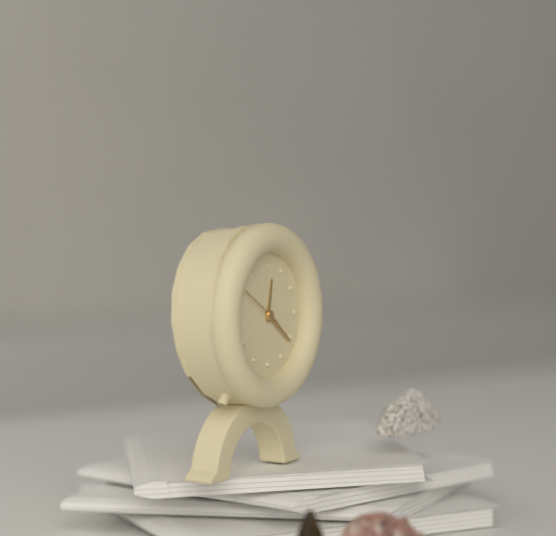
{"hour": 12, "minute": 21}
